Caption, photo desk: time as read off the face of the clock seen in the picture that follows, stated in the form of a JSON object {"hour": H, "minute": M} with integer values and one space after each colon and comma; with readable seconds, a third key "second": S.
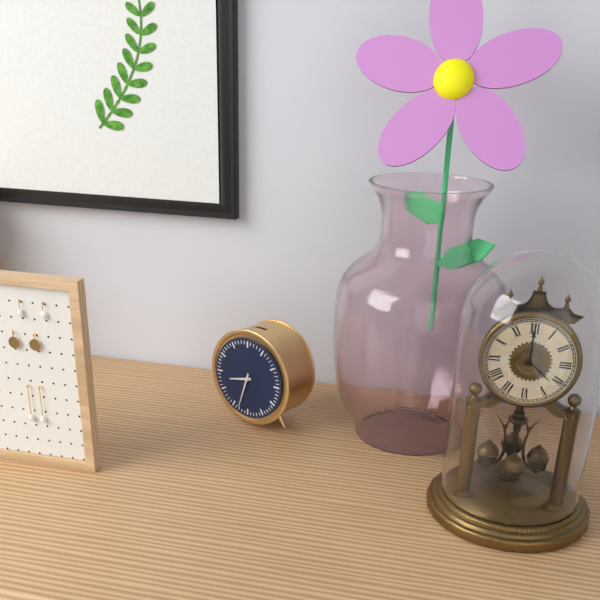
{"hour": 8, "minute": 33}
